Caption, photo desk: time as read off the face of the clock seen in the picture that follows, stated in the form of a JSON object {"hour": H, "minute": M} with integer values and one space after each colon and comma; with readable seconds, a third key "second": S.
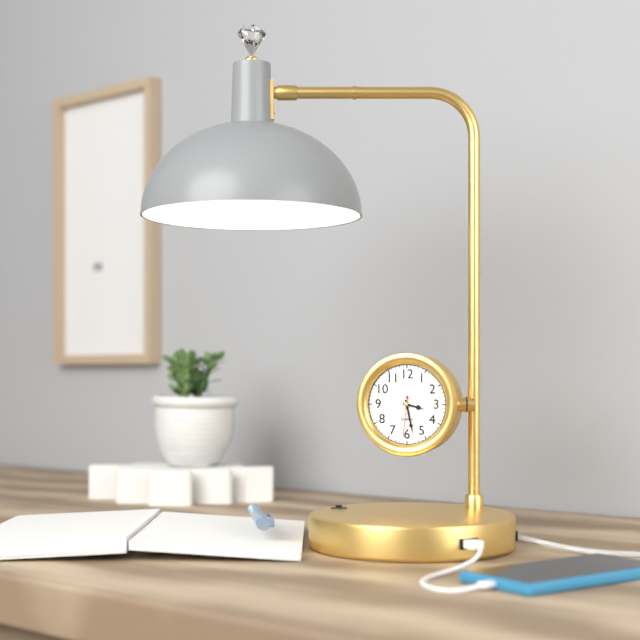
{"hour": 3, "minute": 28}
